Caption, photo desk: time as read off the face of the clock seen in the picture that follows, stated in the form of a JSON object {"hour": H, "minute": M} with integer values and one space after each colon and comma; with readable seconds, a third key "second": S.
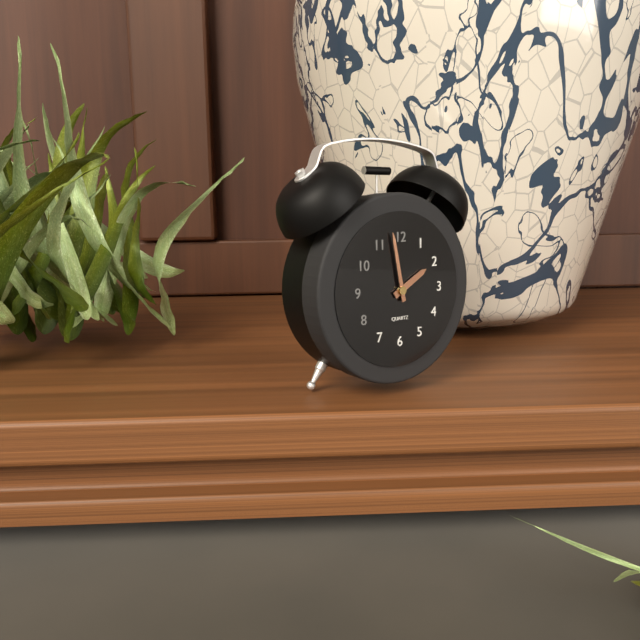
{"hour": 1, "minute": 58}
